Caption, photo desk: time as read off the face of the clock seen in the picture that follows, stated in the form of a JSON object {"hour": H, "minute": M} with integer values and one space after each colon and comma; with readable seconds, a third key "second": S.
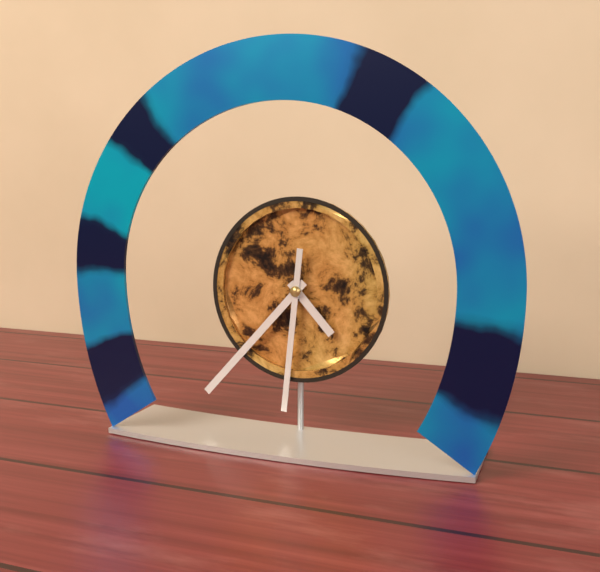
{"hour": 4, "minute": 37, "second": 31}
